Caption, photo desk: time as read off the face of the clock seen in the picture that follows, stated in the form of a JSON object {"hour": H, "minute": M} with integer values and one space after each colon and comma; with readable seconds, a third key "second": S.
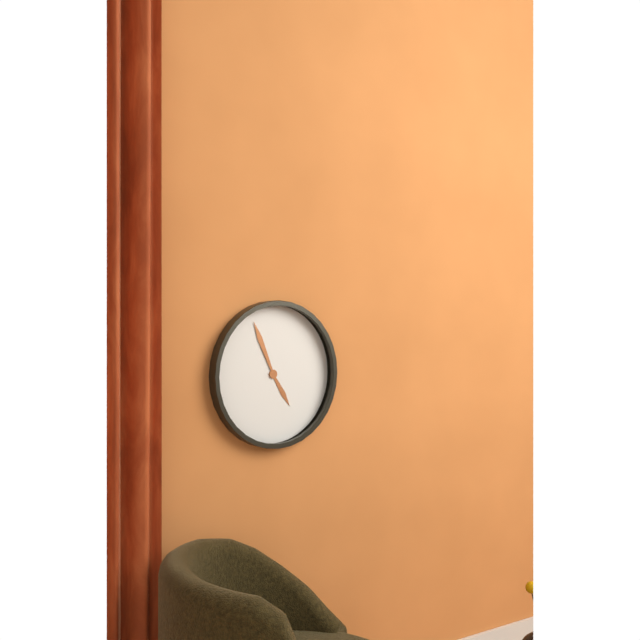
{"hour": 4, "minute": 56}
